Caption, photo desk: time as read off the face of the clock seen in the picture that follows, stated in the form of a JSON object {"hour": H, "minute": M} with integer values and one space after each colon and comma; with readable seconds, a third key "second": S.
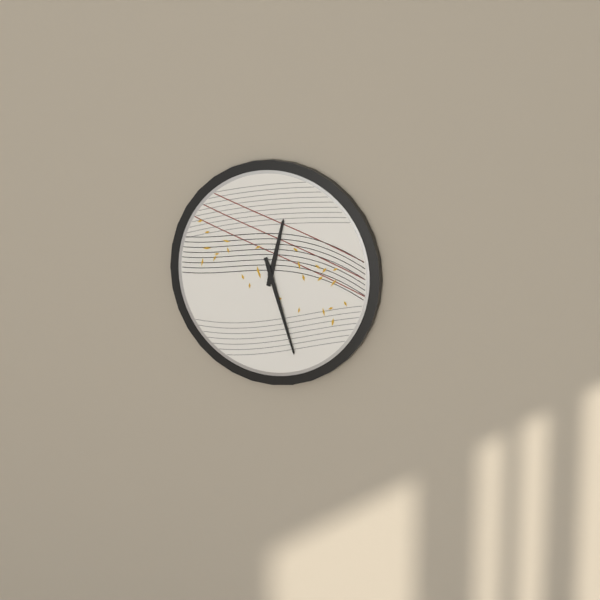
{"hour": 12, "minute": 27}
